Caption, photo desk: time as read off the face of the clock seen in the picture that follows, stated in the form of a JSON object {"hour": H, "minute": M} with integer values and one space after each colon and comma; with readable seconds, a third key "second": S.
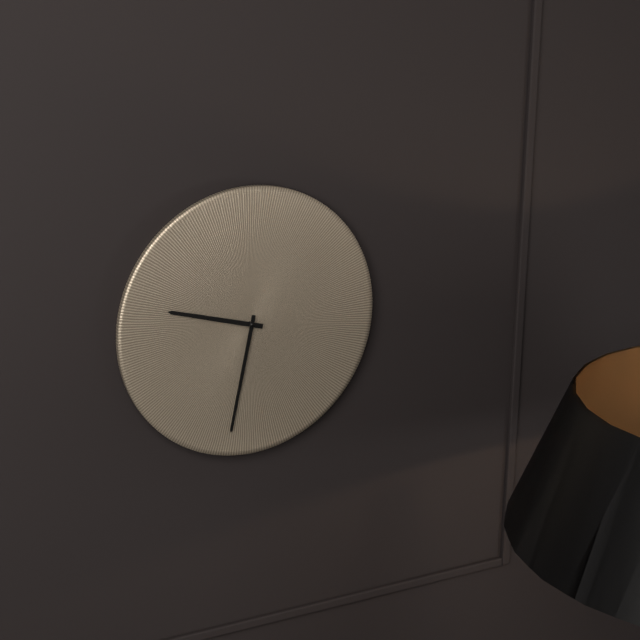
{"hour": 9, "minute": 32}
